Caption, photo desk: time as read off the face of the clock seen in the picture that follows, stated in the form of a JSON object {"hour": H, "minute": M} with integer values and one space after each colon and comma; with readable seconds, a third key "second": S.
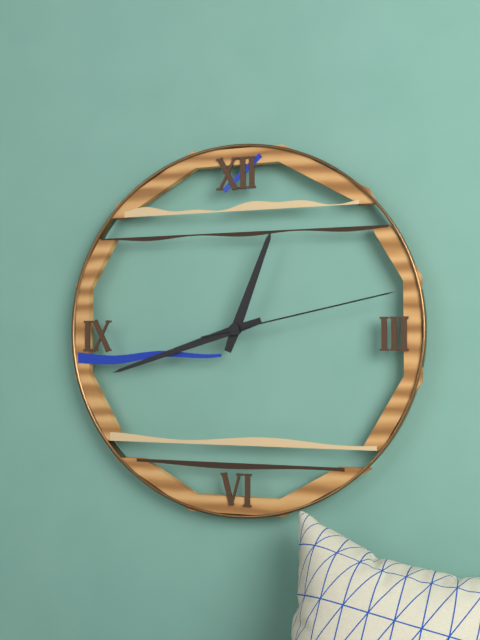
{"hour": 12, "minute": 42, "second": 13}
